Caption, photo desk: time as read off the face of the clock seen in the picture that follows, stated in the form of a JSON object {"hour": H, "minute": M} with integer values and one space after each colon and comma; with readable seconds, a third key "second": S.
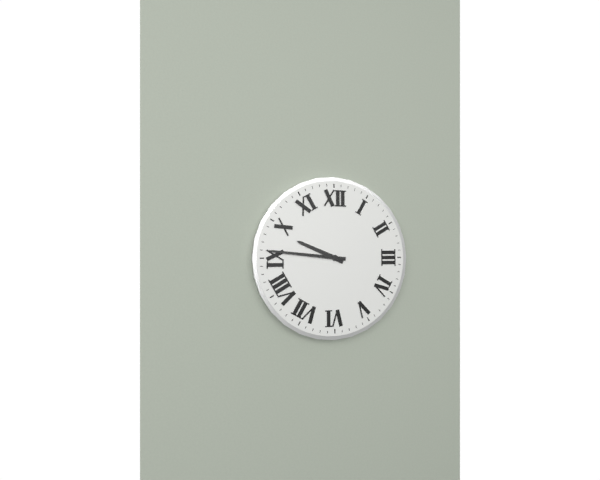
{"hour": 9, "minute": 46}
